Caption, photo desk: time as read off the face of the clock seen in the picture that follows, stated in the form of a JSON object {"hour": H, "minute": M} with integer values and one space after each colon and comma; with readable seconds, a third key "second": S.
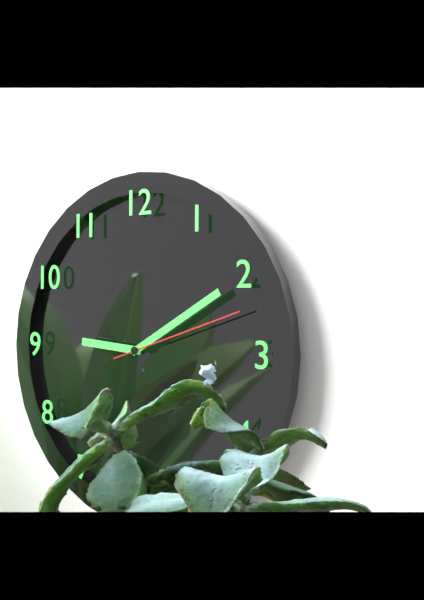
{"hour": 9, "minute": 10, "second": 12}
